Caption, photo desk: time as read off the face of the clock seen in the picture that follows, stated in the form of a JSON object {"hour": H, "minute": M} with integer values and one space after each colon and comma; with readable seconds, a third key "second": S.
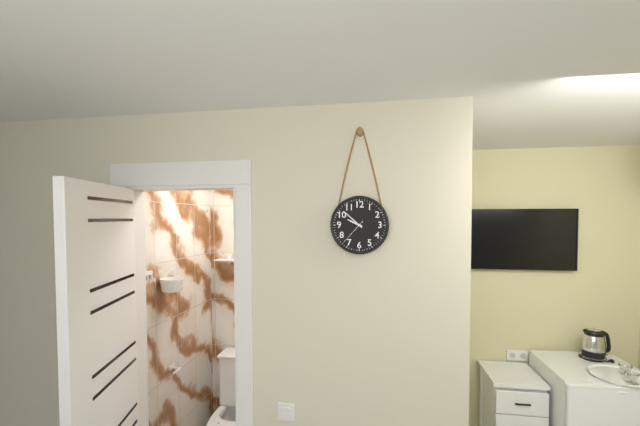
{"hour": 9, "minute": 52}
